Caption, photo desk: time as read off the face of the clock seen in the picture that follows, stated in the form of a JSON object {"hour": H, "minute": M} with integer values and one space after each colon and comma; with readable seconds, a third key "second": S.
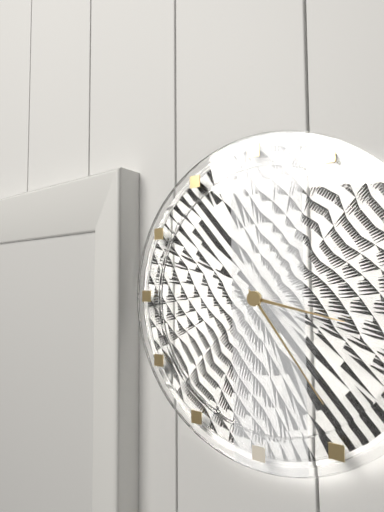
{"hour": 3, "minute": 24}
